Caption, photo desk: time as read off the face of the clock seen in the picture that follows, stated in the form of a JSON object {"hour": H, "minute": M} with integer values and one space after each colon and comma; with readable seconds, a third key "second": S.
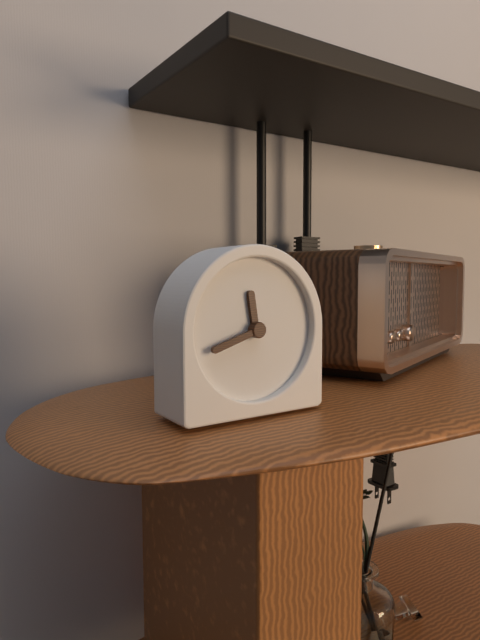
{"hour": 11, "minute": 42}
